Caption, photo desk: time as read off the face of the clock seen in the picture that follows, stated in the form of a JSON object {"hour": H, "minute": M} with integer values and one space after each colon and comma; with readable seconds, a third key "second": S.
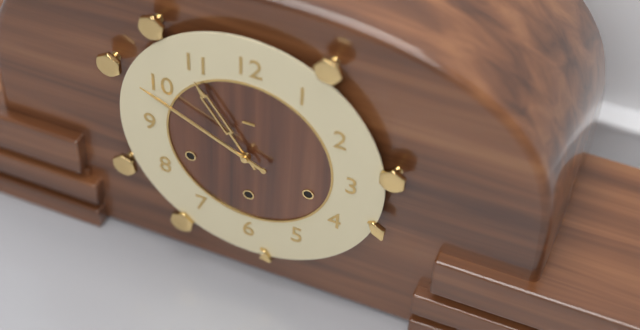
{"hour": 10, "minute": 49}
